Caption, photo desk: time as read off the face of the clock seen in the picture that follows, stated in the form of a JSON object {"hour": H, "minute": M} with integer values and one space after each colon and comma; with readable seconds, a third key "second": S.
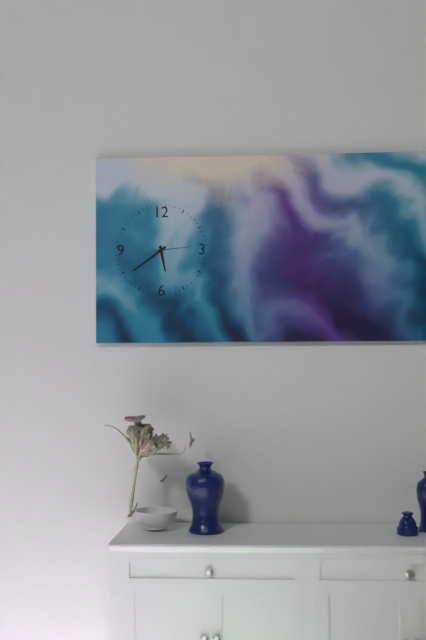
{"hour": 5, "minute": 39}
